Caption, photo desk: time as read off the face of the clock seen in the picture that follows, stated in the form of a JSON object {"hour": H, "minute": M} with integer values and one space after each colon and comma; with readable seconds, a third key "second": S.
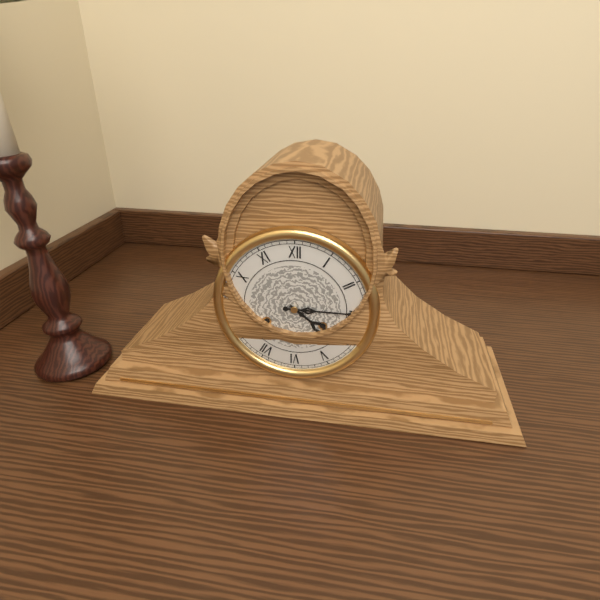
{"hour": 4, "minute": 15}
